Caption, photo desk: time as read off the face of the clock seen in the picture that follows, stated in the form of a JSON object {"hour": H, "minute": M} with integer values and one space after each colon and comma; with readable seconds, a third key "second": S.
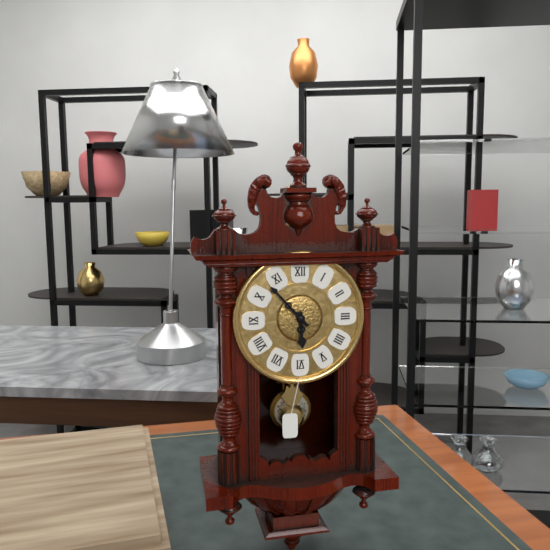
{"hour": 5, "minute": 53}
